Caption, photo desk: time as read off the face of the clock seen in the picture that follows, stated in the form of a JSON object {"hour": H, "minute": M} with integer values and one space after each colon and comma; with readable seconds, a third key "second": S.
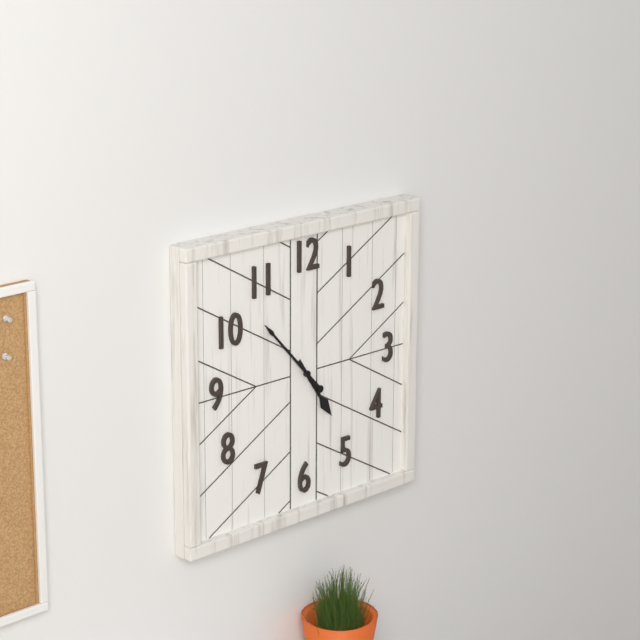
{"hour": 4, "minute": 53}
